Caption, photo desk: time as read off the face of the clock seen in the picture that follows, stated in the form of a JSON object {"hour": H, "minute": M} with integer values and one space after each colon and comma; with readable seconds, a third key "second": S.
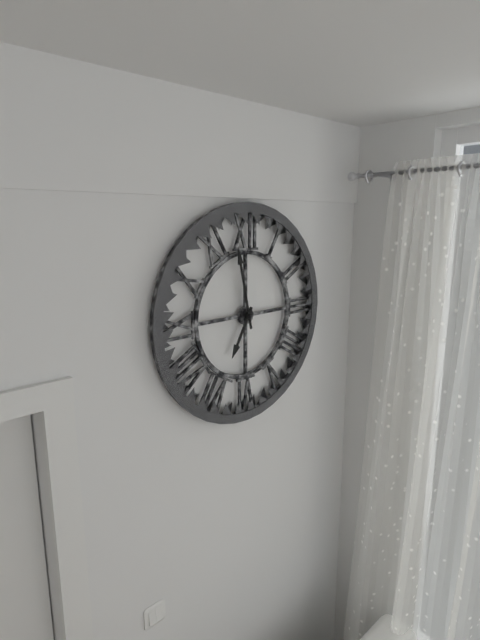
{"hour": 6, "minute": 58}
